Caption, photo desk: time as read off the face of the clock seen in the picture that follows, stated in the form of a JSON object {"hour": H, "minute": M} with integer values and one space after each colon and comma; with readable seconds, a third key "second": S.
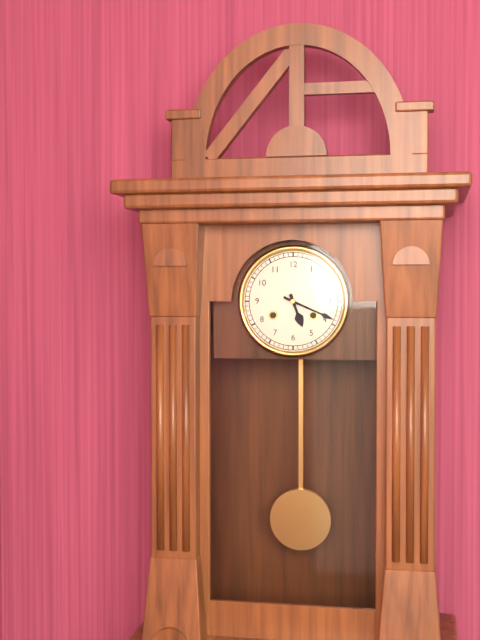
{"hour": 5, "minute": 19}
